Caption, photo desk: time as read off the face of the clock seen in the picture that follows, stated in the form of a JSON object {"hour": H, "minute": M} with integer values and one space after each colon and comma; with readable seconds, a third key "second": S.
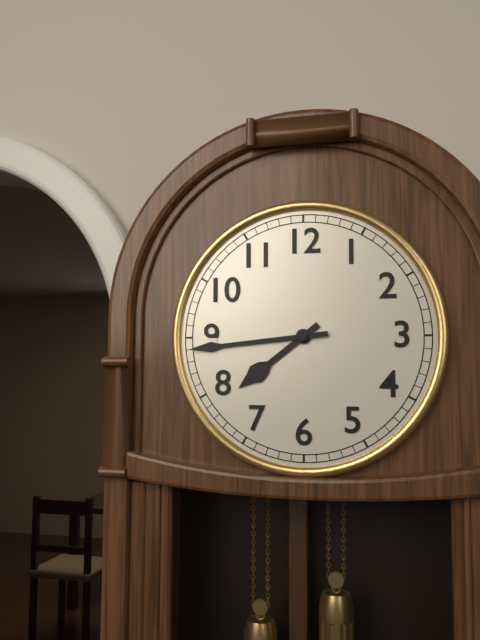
{"hour": 7, "minute": 44}
